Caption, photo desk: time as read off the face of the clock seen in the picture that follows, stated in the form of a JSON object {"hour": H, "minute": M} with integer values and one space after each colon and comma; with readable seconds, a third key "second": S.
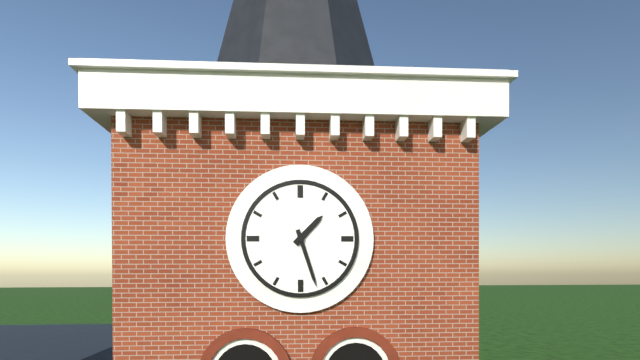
{"hour": 1, "minute": 27}
